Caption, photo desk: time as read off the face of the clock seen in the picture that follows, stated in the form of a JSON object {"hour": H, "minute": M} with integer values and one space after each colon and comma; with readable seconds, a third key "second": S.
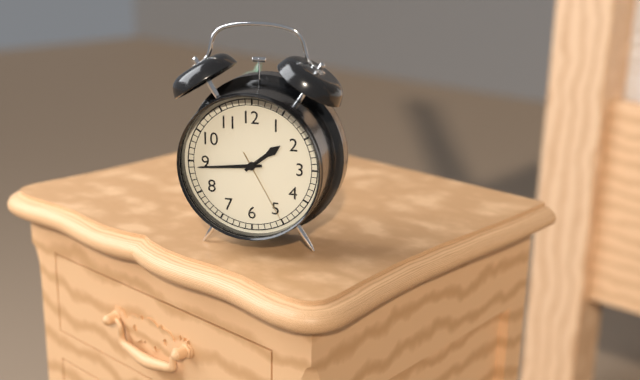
{"hour": 1, "minute": 44, "second": 25}
